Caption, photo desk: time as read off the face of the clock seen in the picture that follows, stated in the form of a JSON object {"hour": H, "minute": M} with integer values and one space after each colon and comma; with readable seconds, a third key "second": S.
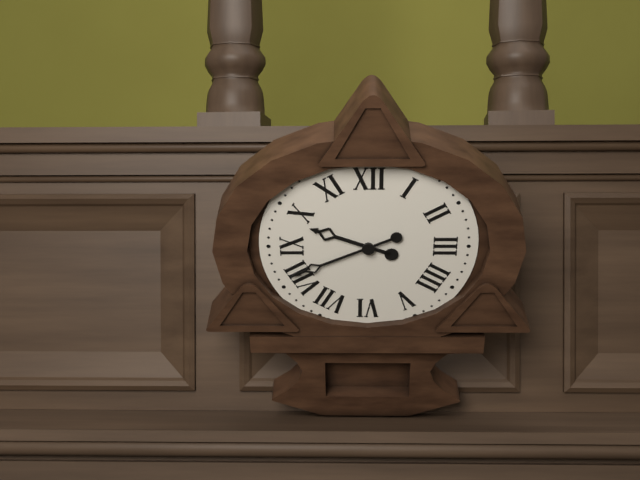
{"hour": 9, "minute": 41}
